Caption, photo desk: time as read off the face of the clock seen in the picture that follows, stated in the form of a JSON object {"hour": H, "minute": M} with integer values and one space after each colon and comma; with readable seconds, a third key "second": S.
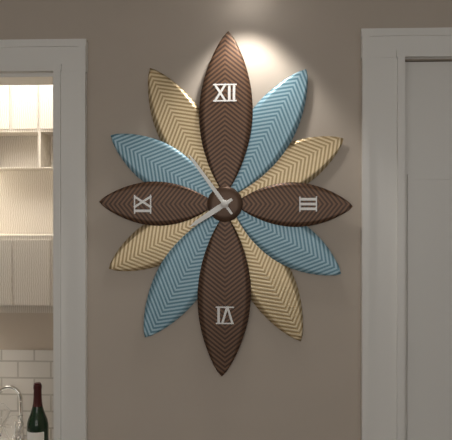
{"hour": 7, "minute": 54}
